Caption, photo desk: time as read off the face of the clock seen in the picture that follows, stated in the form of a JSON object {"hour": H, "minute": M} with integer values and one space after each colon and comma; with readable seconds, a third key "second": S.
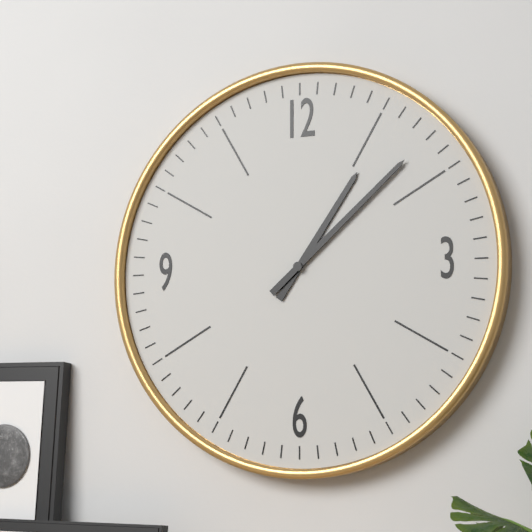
{"hour": 1, "minute": 8}
